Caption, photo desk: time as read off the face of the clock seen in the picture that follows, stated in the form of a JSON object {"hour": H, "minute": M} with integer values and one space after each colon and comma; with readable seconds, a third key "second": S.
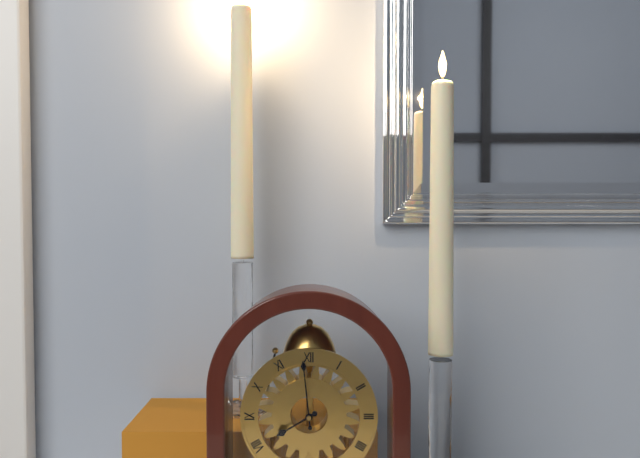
{"hour": 7, "minute": 59}
